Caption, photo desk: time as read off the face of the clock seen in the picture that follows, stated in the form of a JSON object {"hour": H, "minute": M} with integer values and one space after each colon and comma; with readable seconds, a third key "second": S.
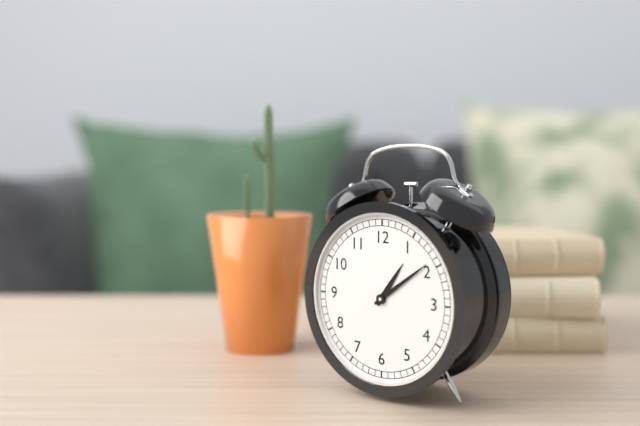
{"hour": 1, "minute": 9}
